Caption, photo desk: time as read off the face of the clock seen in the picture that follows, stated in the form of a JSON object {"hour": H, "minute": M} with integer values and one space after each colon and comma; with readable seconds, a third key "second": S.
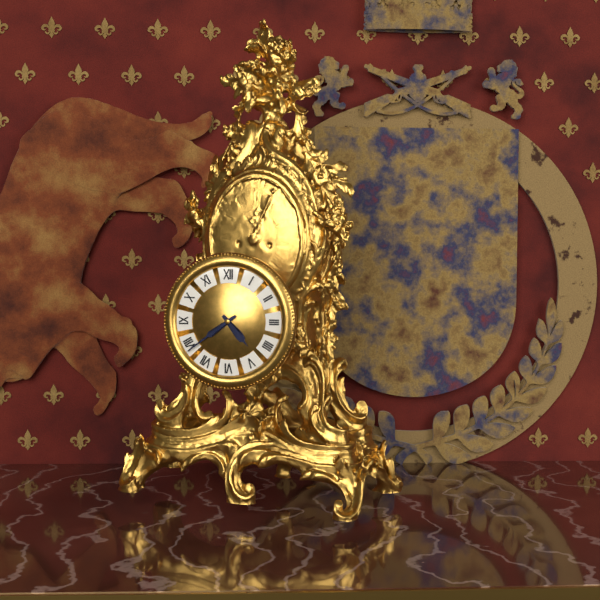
{"hour": 4, "minute": 39}
